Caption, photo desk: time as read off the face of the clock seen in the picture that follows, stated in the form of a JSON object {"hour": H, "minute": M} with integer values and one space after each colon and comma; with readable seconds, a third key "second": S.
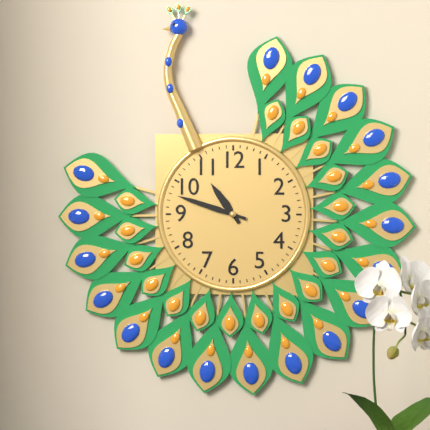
{"hour": 10, "minute": 48}
